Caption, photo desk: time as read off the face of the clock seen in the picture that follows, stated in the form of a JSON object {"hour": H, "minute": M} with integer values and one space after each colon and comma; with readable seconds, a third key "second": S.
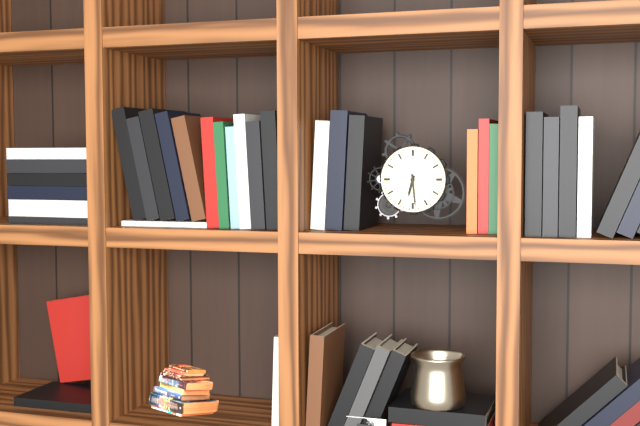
{"hour": 6, "minute": 29}
